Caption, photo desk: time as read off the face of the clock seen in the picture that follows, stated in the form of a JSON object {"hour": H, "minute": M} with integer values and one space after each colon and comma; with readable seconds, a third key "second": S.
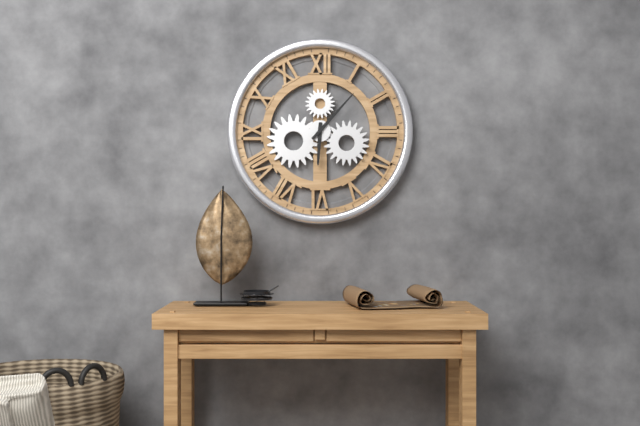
{"hour": 6, "minute": 7}
